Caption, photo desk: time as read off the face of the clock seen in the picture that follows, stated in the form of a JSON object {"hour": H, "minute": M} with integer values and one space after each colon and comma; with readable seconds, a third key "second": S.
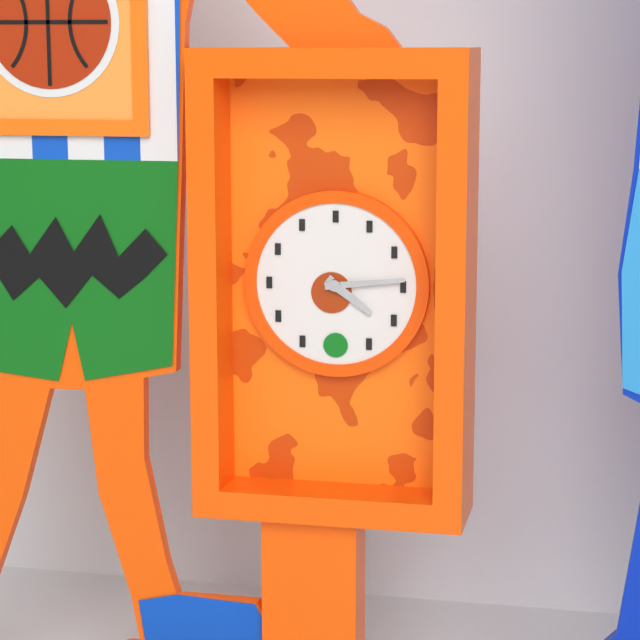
{"hour": 4, "minute": 14}
